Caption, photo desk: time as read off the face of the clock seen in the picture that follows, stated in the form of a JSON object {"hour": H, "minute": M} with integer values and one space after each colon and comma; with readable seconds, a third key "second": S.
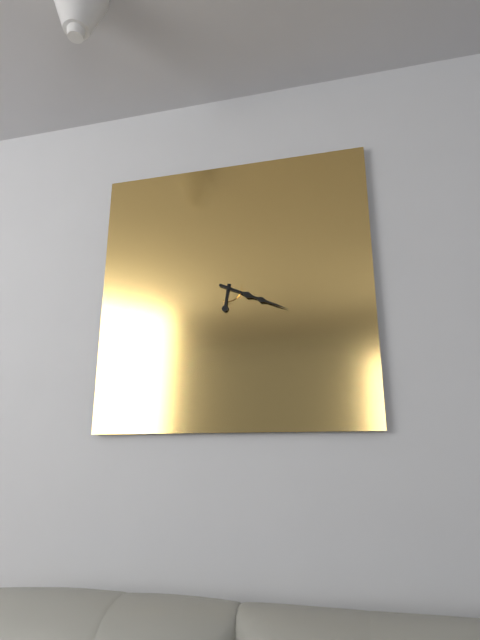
{"hour": 6, "minute": 19}
